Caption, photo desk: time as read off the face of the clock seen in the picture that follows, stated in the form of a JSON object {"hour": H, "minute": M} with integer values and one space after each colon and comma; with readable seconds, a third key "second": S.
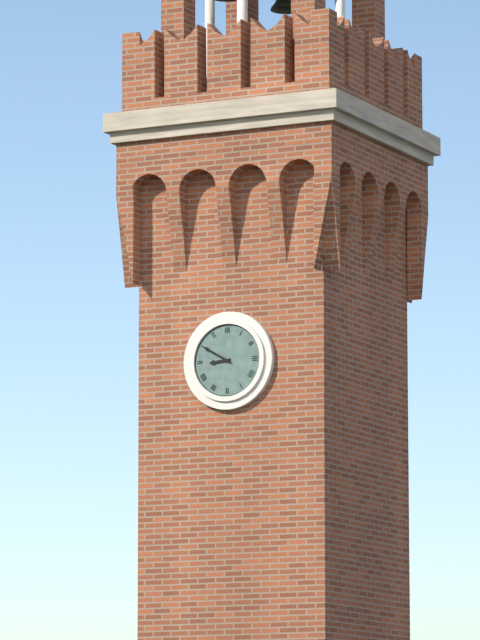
{"hour": 8, "minute": 50}
